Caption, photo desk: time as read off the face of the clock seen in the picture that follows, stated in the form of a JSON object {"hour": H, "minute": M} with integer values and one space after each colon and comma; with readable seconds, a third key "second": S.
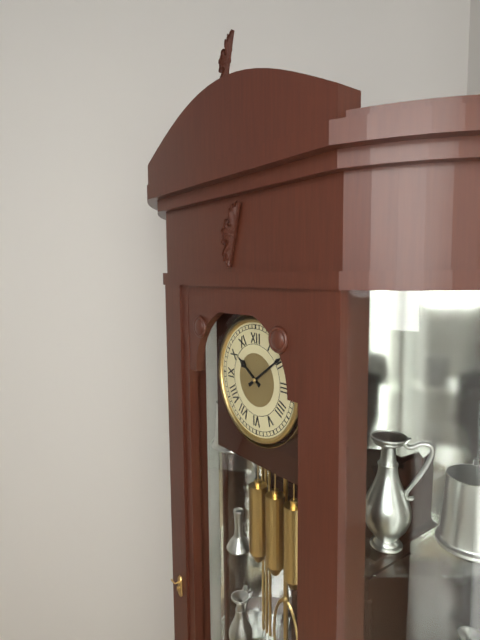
{"hour": 10, "minute": 9}
